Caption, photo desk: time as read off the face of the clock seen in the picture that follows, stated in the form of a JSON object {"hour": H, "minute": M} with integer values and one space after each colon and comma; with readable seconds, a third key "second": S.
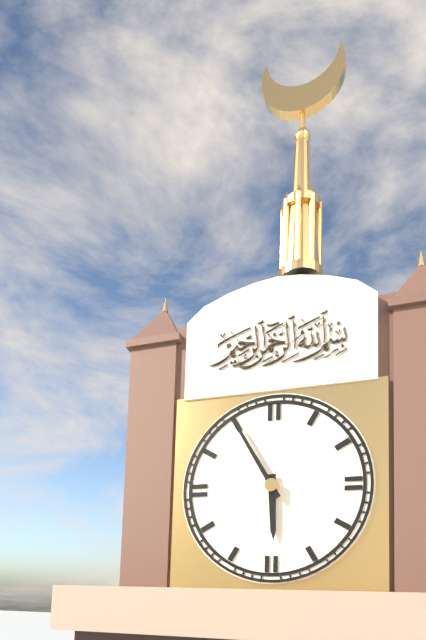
{"hour": 5, "minute": 55}
